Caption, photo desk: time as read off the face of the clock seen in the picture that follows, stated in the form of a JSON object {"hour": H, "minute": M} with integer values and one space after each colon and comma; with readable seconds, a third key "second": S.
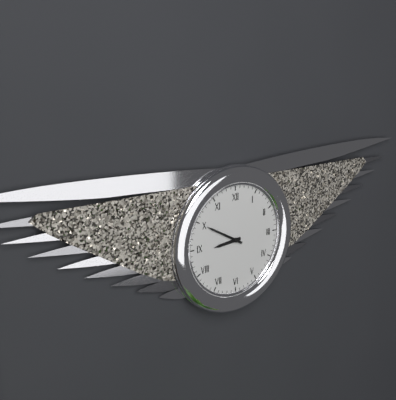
{"hour": 8, "minute": 50}
